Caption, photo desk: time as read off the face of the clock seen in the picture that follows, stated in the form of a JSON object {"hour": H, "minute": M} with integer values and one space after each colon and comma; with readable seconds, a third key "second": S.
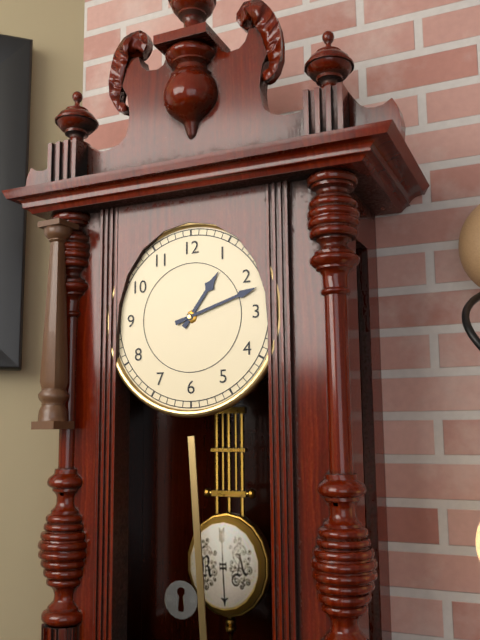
{"hour": 1, "minute": 12}
